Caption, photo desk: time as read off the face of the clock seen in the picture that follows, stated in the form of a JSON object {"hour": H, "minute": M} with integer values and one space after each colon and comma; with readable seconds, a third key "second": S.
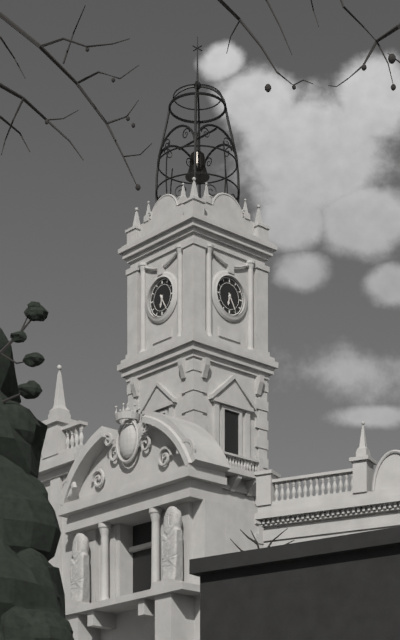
{"hour": 6, "minute": 25}
